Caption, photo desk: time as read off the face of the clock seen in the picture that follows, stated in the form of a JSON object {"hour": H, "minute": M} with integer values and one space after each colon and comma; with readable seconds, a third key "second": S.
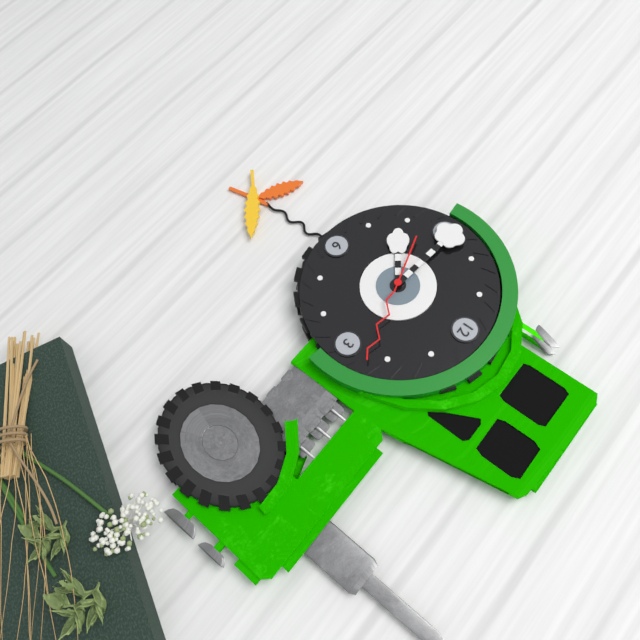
{"hour": 7, "minute": 46, "second": 12}
